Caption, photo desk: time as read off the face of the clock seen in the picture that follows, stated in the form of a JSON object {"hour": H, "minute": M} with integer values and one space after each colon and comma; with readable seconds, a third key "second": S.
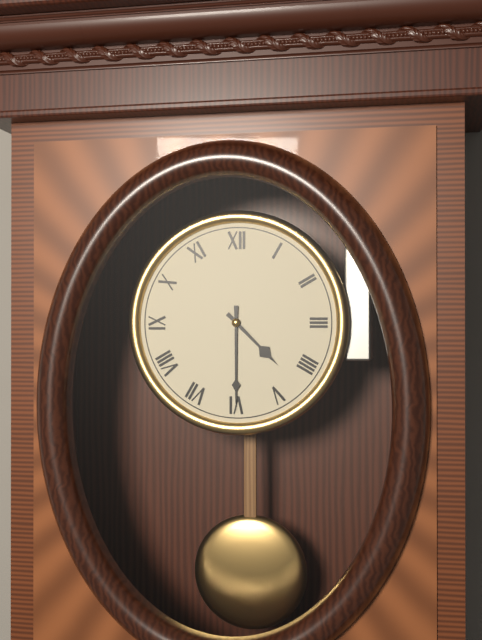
{"hour": 4, "minute": 30}
